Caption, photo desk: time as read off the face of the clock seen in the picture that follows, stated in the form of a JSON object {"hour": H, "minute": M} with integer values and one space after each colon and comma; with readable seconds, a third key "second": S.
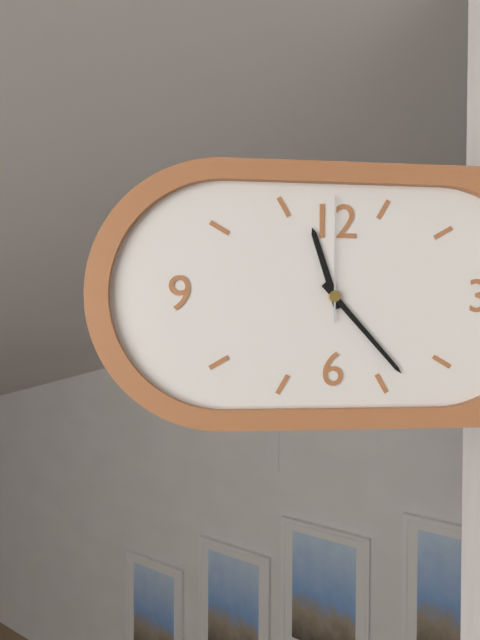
{"hour": 11, "minute": 23, "second": 0}
